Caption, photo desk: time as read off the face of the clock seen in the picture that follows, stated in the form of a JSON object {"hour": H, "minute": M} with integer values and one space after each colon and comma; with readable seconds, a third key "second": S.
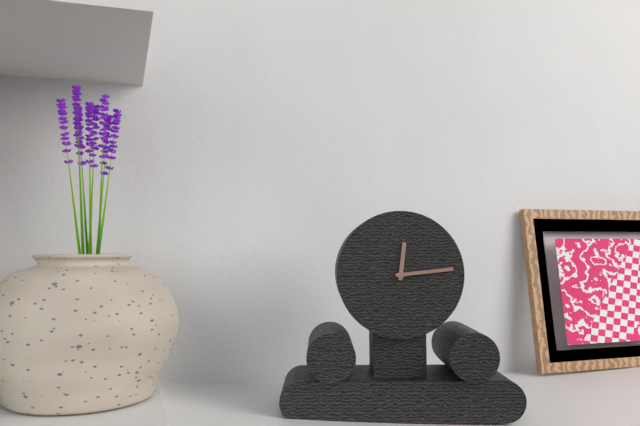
{"hour": 12, "minute": 14}
